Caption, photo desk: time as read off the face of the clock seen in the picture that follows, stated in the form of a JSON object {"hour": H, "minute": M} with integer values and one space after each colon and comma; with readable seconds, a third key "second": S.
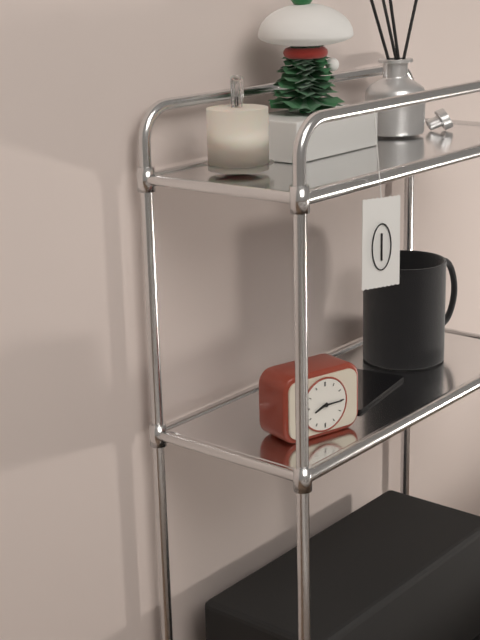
{"hour": 8, "minute": 15}
